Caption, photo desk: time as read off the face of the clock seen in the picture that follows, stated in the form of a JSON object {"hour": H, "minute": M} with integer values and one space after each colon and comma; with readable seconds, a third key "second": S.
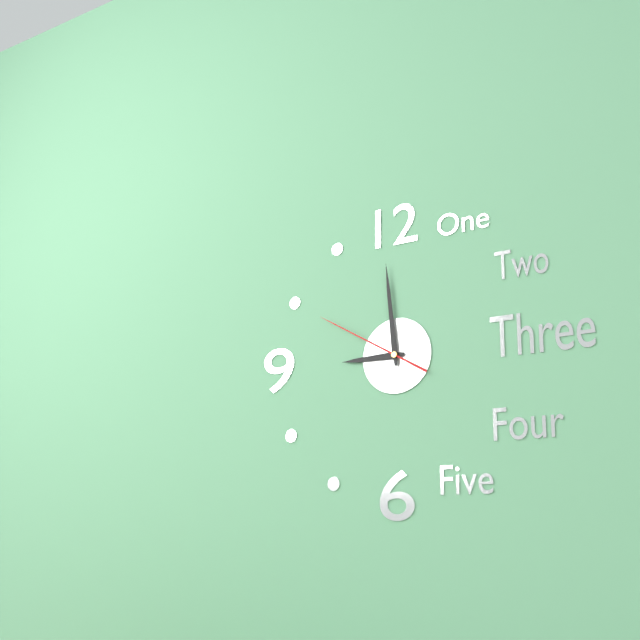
{"hour": 8, "minute": 59, "second": 50}
